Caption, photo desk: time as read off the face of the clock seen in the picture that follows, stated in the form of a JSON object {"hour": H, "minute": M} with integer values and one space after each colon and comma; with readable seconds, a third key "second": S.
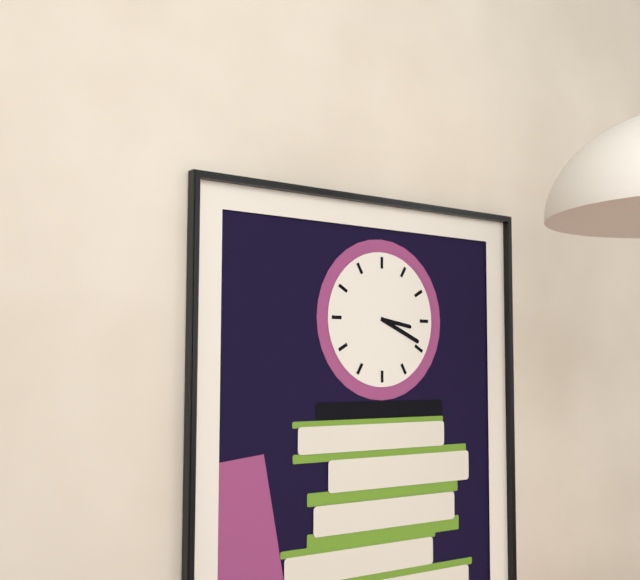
{"hour": 3, "minute": 19}
